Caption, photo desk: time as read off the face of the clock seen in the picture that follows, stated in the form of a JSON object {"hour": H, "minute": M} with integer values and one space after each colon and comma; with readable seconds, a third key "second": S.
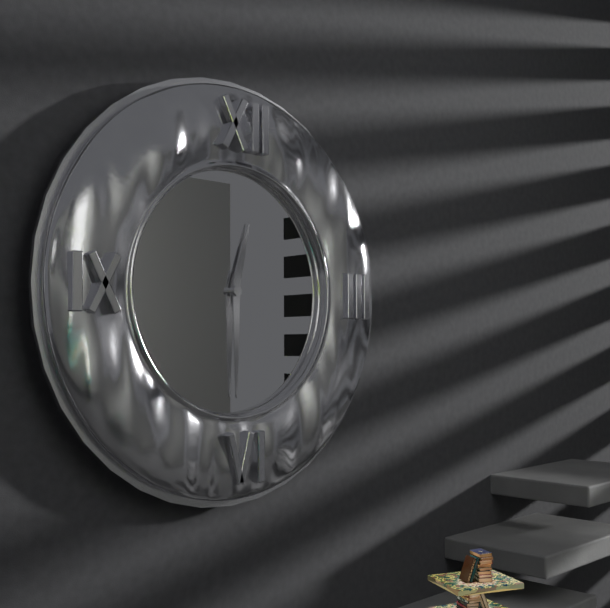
{"hour": 12, "minute": 30}
